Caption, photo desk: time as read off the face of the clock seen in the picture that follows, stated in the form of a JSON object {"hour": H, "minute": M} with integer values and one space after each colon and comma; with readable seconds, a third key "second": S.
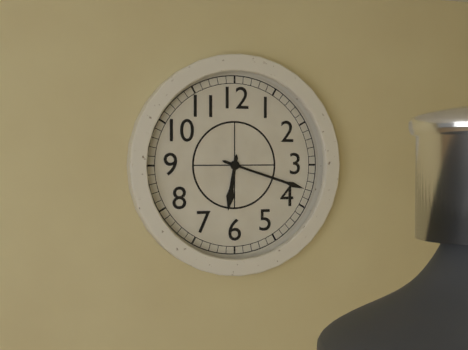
{"hour": 6, "minute": 18}
